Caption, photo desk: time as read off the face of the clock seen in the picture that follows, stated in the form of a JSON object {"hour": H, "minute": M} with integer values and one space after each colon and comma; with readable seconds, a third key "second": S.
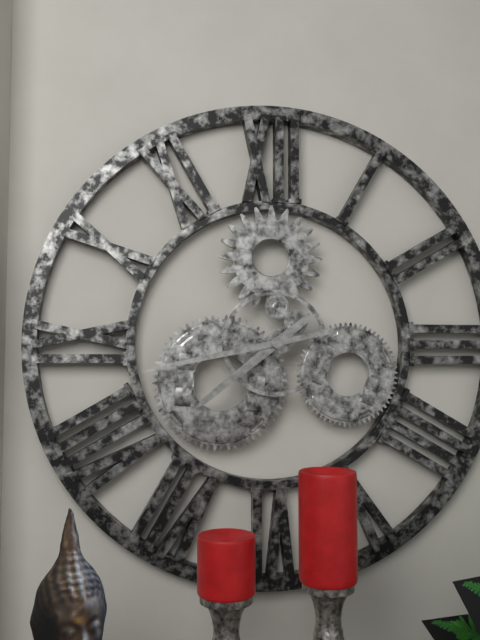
{"hour": 7, "minute": 43}
